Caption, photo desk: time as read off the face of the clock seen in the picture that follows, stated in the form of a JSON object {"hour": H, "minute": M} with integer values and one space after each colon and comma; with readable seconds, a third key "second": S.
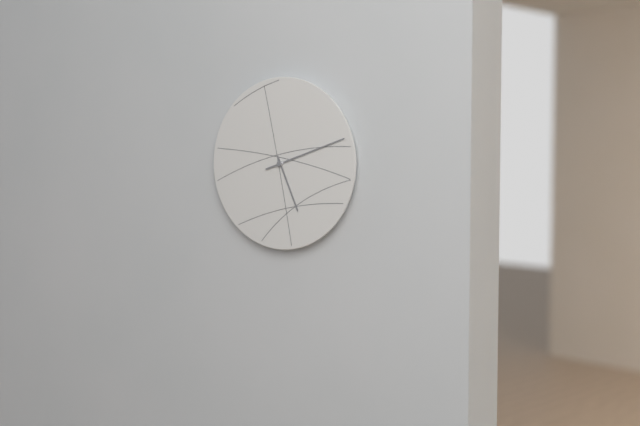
{"hour": 5, "minute": 12}
